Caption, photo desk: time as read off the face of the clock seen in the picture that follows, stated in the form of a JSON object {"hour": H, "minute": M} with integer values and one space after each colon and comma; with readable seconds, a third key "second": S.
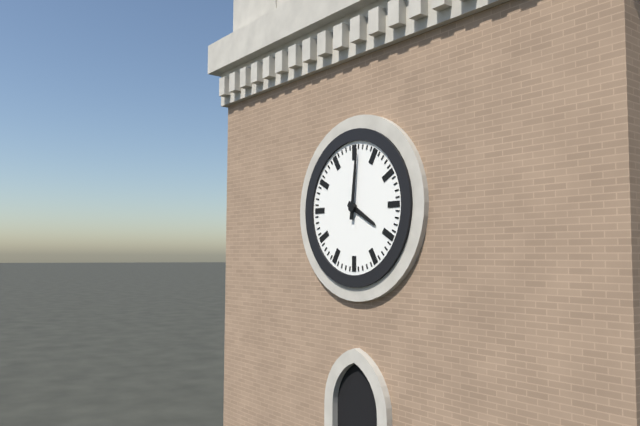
{"hour": 4, "minute": 1}
